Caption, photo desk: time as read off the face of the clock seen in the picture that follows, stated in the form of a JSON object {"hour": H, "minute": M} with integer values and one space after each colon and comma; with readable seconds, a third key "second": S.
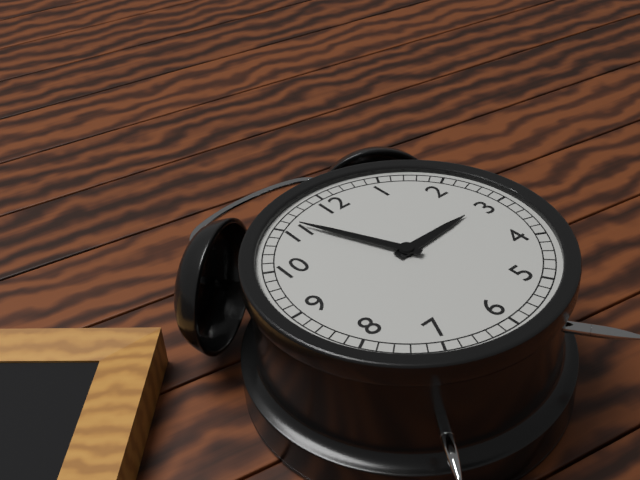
{"hour": 2, "minute": 56}
